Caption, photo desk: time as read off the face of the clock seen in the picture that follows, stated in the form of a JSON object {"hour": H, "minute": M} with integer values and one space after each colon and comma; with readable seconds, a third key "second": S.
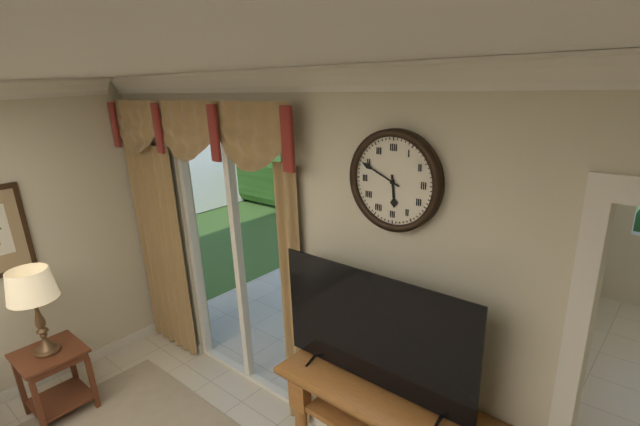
{"hour": 5, "minute": 49}
